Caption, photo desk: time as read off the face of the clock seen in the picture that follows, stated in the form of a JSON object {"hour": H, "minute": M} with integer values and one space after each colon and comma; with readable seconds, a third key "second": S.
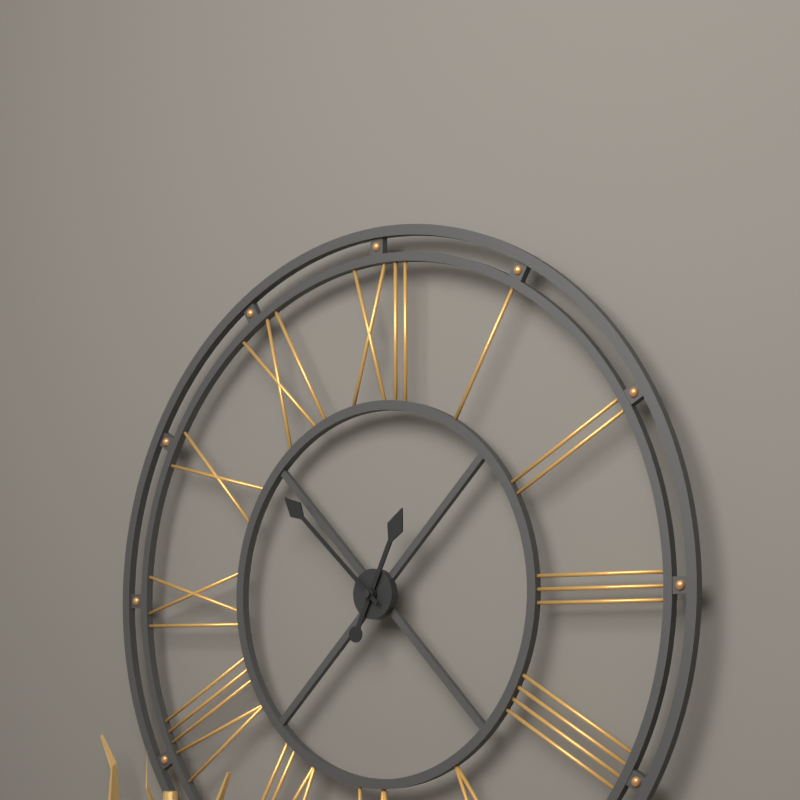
{"hour": 12, "minute": 52}
